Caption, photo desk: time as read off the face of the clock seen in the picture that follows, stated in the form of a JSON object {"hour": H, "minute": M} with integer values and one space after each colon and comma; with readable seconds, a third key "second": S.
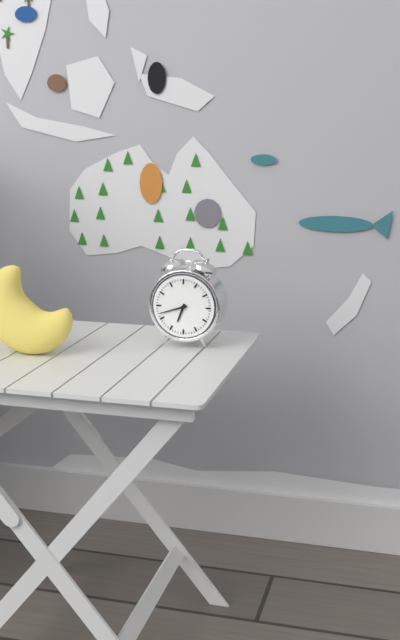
{"hour": 6, "minute": 42}
